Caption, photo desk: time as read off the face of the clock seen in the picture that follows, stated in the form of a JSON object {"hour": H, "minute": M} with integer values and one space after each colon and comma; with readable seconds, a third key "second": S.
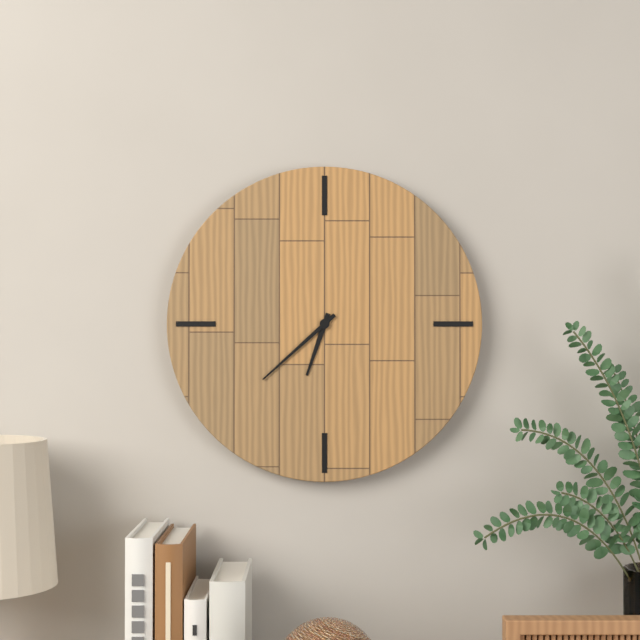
{"hour": 6, "minute": 38}
